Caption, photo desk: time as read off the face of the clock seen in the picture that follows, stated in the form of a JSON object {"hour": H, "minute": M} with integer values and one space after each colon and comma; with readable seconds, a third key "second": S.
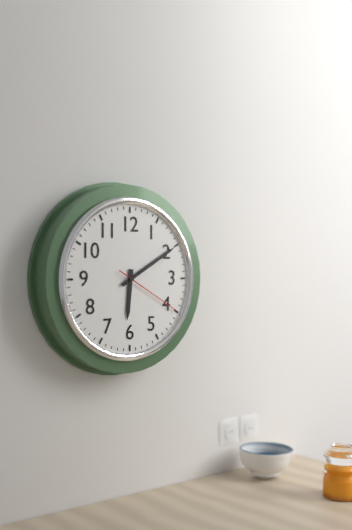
{"hour": 6, "minute": 10, "second": 20}
